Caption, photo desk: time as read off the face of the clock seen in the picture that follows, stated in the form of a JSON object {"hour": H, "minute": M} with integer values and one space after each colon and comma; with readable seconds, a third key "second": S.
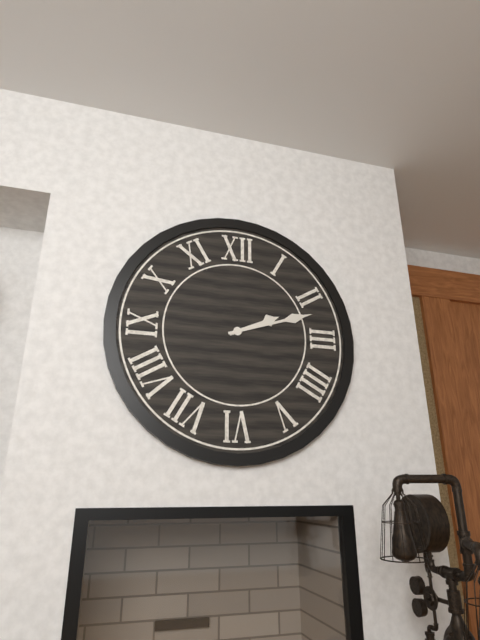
{"hour": 2, "minute": 12}
